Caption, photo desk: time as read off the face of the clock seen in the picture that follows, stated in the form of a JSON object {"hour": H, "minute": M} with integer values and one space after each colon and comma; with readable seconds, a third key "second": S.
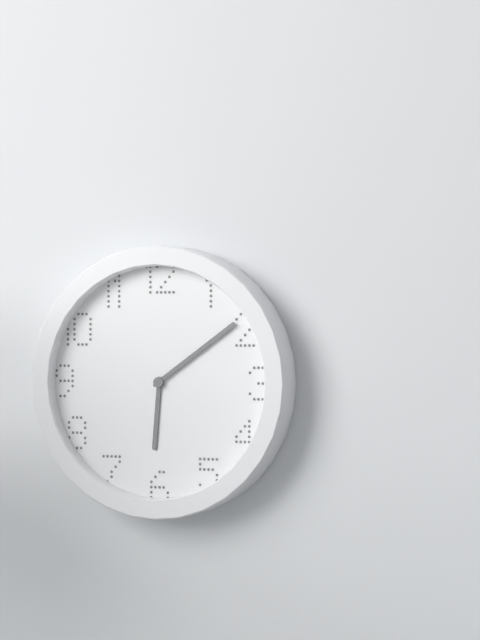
{"hour": 6, "minute": 9}
